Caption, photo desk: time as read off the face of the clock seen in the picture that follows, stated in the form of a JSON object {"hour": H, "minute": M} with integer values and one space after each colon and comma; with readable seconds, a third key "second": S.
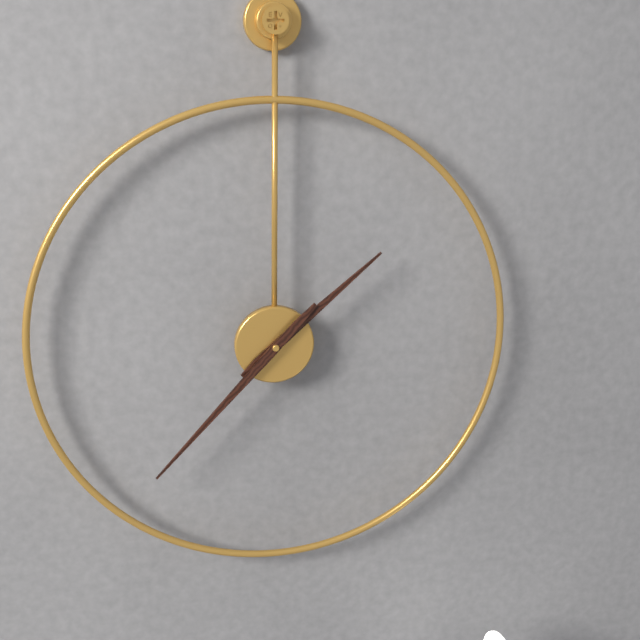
{"hour": 1, "minute": 37}
